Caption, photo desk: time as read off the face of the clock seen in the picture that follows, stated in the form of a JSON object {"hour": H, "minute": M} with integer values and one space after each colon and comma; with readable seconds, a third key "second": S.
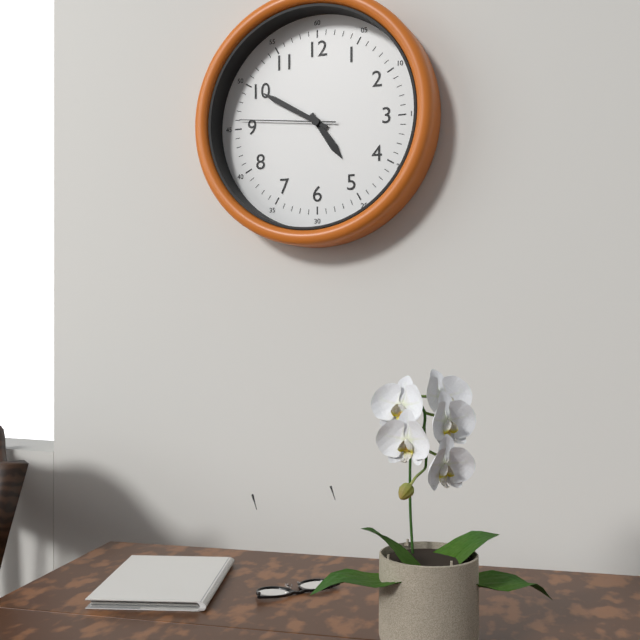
{"hour": 4, "minute": 50, "second": 46}
